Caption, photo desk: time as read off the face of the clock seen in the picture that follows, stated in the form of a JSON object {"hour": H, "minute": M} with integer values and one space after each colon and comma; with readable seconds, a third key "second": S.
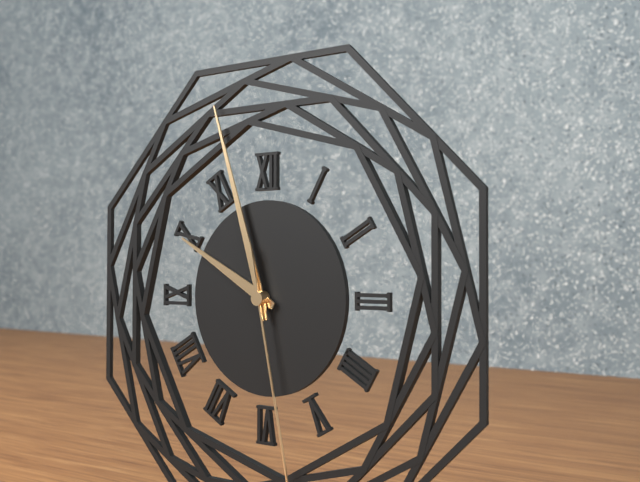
{"hour": 9, "minute": 57}
